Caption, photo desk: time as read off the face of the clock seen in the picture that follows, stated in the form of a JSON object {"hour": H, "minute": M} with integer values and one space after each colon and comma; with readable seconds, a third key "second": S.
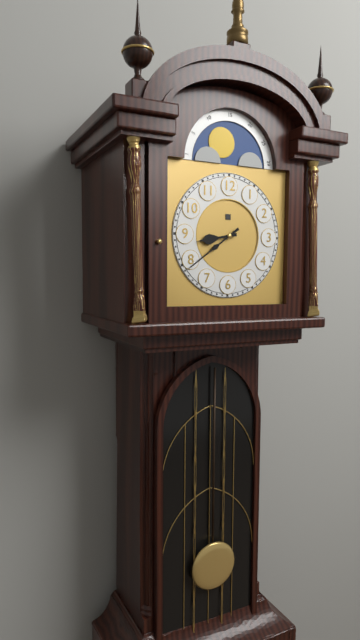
{"hour": 8, "minute": 39}
